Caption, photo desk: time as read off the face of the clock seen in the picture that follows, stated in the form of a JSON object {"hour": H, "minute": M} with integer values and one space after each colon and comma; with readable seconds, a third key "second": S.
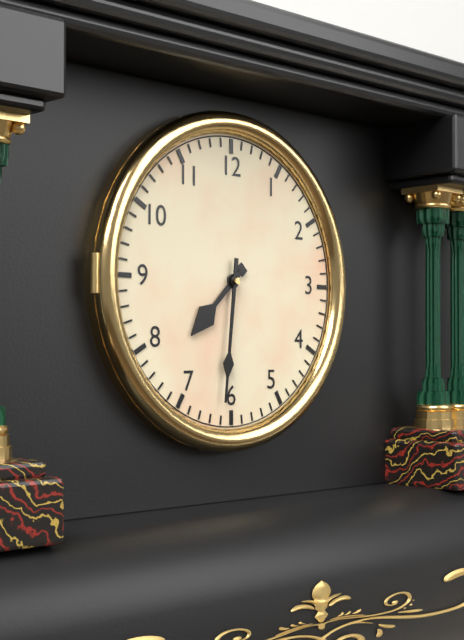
{"hour": 7, "minute": 31}
